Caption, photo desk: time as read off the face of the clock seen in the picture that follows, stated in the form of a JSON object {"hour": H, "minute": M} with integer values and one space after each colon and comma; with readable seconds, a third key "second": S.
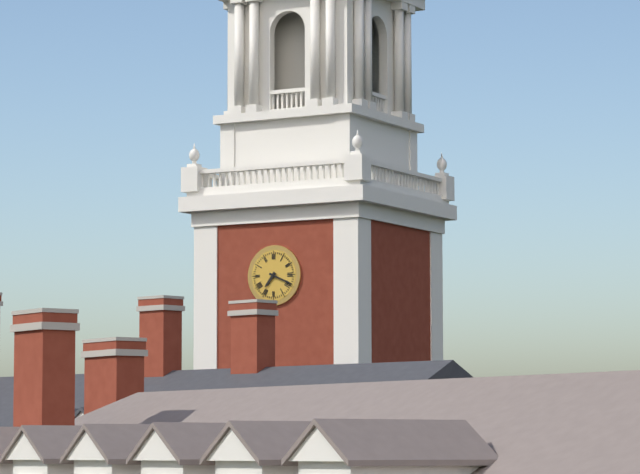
{"hour": 7, "minute": 19}
